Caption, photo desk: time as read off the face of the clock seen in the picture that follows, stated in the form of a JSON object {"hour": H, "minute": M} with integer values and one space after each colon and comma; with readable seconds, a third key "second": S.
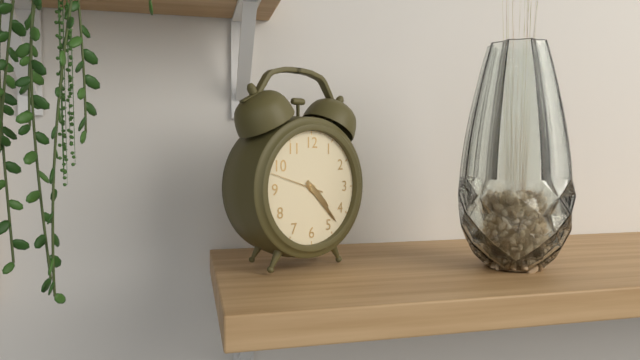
{"hour": 4, "minute": 23, "second": 48}
